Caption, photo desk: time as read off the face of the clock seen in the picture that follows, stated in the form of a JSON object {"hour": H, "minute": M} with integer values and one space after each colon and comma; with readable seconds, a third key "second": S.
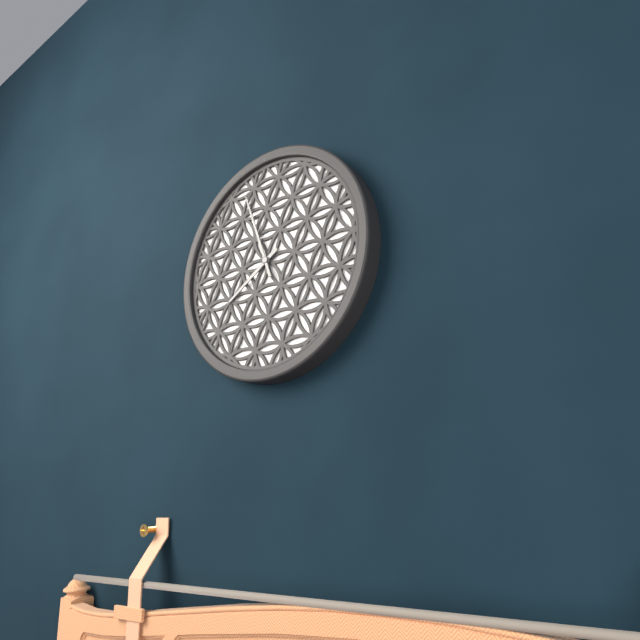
{"hour": 7, "minute": 57}
